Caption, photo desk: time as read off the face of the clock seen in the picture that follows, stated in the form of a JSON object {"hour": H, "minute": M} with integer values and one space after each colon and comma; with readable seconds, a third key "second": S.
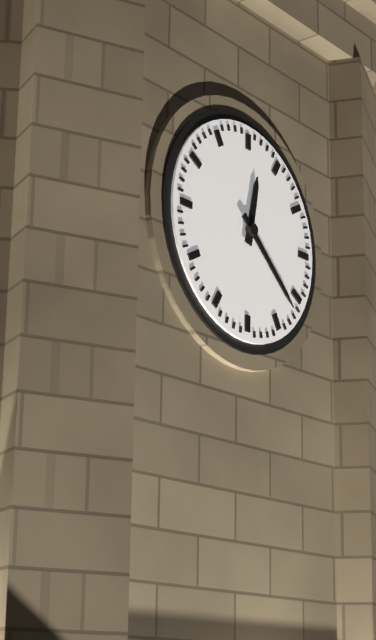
{"hour": 12, "minute": 22}
